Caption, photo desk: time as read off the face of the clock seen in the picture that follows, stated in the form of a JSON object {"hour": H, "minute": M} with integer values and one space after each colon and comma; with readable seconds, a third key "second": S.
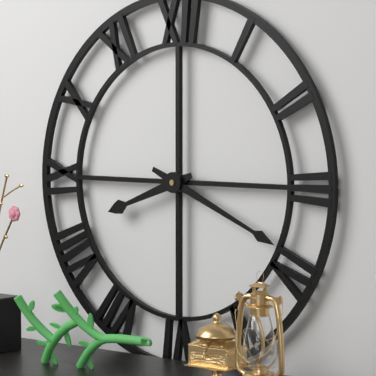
{"hour": 8, "minute": 19}
